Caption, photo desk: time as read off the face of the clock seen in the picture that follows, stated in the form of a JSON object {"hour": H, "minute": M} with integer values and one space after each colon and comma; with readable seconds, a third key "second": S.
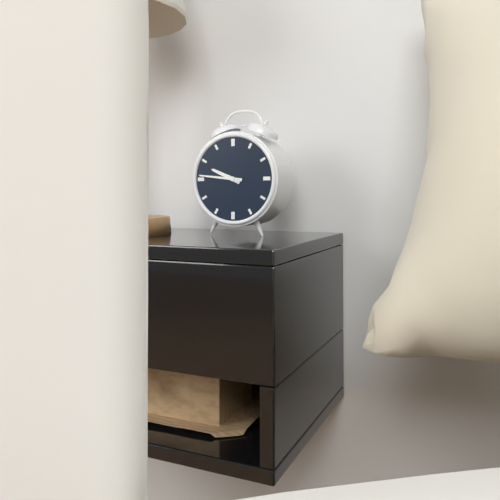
{"hour": 9, "minute": 46}
